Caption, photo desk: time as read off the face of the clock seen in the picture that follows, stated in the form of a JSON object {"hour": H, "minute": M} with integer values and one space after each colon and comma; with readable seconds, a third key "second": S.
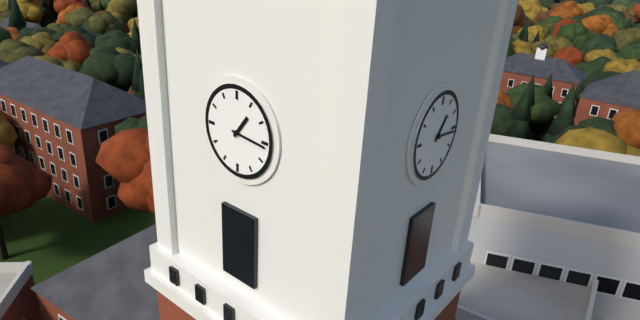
{"hour": 1, "minute": 16}
